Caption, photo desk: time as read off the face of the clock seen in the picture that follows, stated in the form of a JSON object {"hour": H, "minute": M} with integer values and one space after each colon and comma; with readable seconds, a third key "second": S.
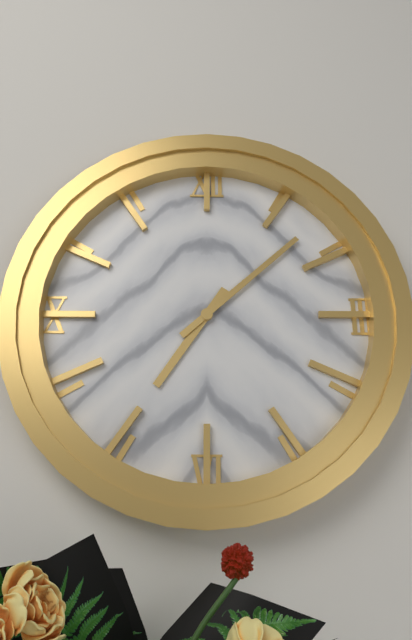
{"hour": 7, "minute": 8}
